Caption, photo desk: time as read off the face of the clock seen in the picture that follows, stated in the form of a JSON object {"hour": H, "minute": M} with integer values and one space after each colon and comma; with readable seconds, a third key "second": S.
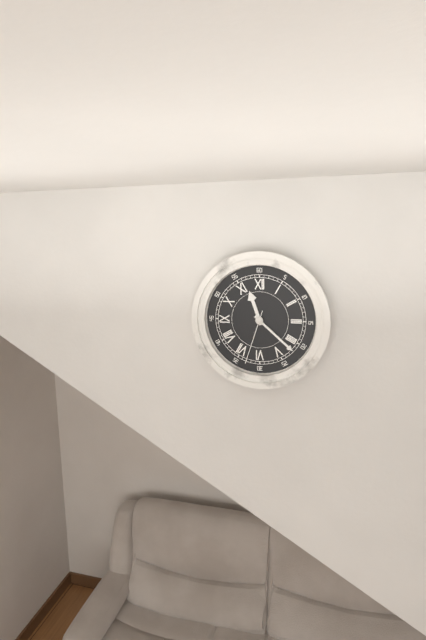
{"hour": 11, "minute": 22, "second": 33}
